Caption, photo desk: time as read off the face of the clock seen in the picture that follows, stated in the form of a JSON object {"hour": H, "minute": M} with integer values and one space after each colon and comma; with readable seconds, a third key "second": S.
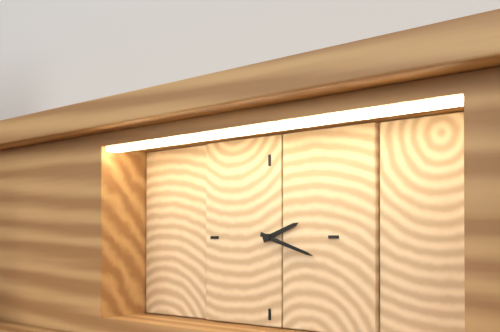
{"hour": 2, "minute": 18}
